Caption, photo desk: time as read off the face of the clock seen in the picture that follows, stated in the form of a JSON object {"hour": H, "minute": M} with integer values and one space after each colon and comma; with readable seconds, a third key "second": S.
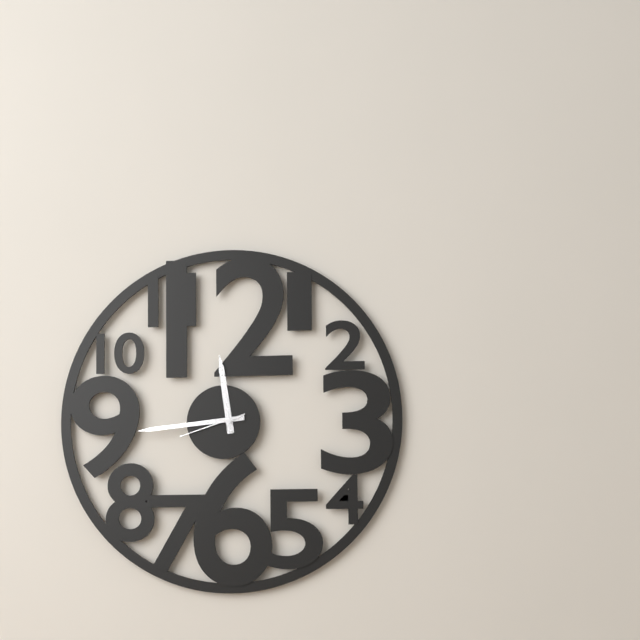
{"hour": 11, "minute": 44, "second": 42}
